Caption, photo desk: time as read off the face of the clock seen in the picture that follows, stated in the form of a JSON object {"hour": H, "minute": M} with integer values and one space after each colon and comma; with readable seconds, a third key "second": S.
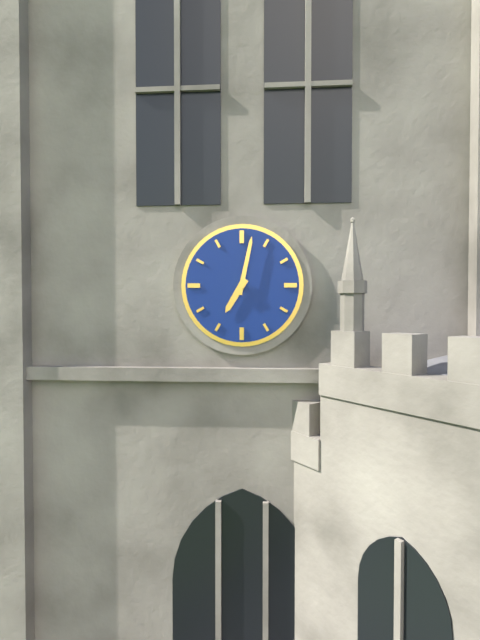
{"hour": 7, "minute": 2}
